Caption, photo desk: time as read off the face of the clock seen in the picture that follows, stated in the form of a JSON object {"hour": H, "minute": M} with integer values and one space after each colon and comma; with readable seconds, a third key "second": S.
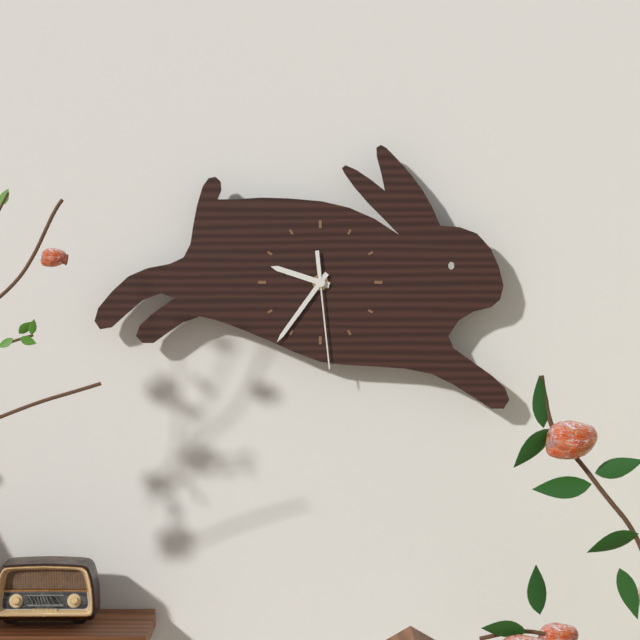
{"hour": 9, "minute": 36, "second": 29}
